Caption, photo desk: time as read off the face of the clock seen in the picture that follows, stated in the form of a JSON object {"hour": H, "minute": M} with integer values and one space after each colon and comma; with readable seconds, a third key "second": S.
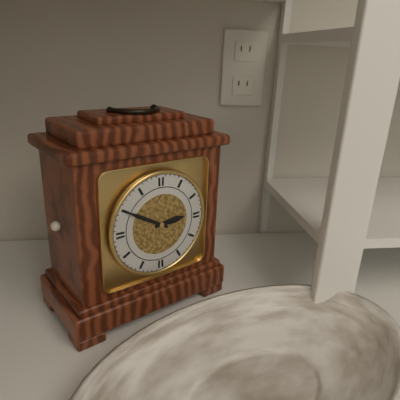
{"hour": 2, "minute": 50}
